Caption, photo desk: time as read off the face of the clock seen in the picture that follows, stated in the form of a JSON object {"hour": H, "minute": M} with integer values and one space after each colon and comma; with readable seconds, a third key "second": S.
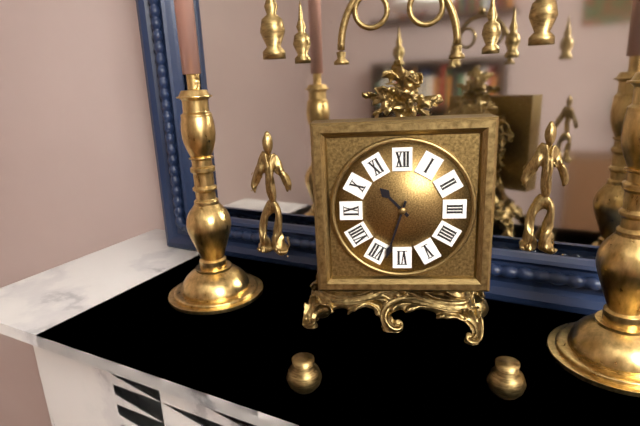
{"hour": 10, "minute": 33}
